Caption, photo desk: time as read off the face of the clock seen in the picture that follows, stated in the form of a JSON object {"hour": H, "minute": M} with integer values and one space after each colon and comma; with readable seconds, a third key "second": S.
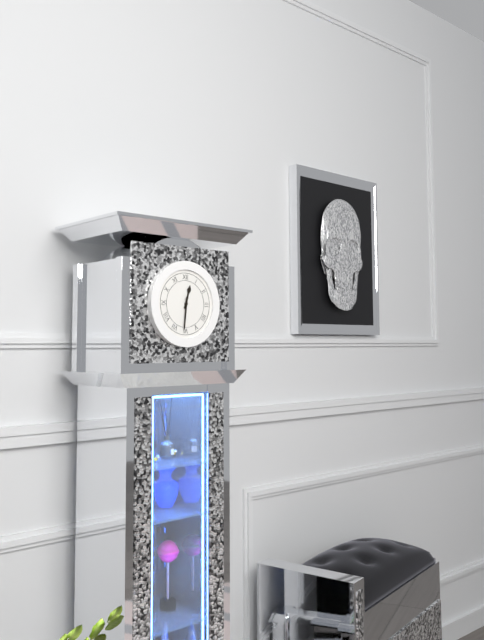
{"hour": 12, "minute": 31}
